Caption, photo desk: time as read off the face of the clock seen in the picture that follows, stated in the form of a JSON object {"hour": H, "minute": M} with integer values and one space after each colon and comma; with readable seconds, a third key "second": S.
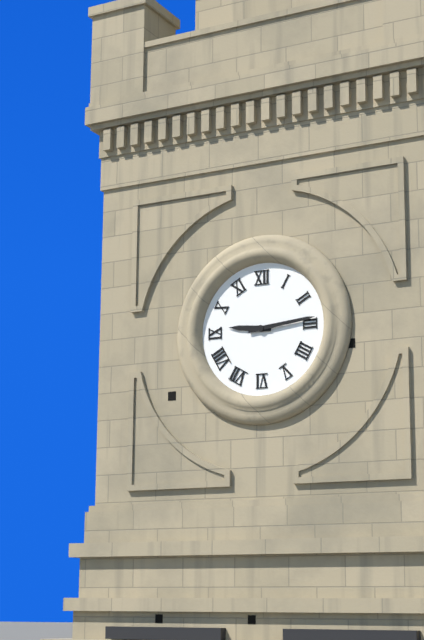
{"hour": 9, "minute": 14}
